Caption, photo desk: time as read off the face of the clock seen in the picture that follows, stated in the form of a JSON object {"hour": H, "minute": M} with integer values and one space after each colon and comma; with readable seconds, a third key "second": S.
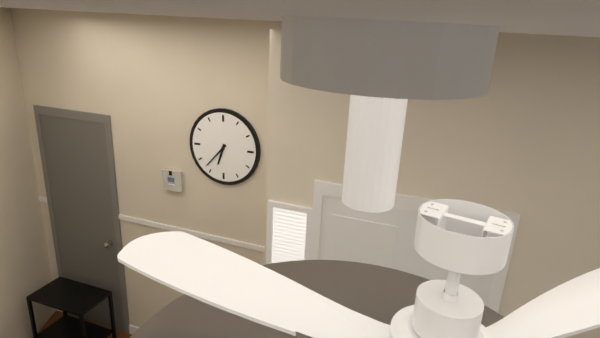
{"hour": 6, "minute": 37}
